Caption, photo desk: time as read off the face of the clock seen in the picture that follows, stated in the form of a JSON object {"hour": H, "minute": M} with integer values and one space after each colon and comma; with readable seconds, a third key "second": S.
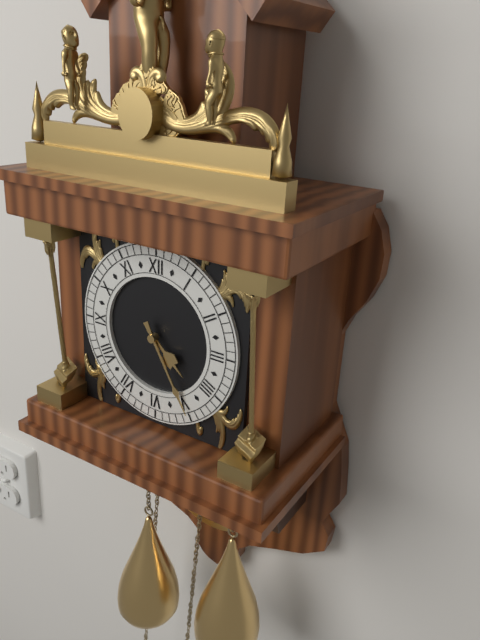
{"hour": 4, "minute": 25}
